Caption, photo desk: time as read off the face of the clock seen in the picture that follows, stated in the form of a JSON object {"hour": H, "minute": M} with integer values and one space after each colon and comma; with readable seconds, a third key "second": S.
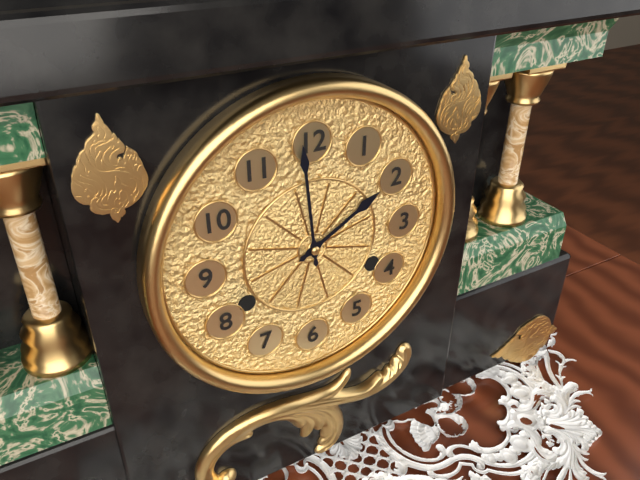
{"hour": 1, "minute": 59}
